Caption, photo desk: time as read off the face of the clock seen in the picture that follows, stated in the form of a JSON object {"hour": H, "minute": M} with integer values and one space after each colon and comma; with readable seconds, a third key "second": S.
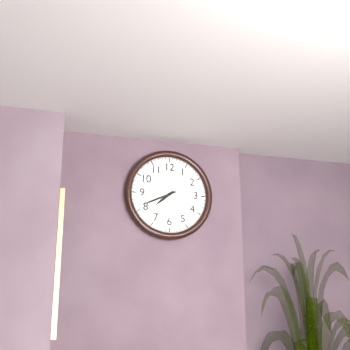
{"hour": 7, "minute": 41}
